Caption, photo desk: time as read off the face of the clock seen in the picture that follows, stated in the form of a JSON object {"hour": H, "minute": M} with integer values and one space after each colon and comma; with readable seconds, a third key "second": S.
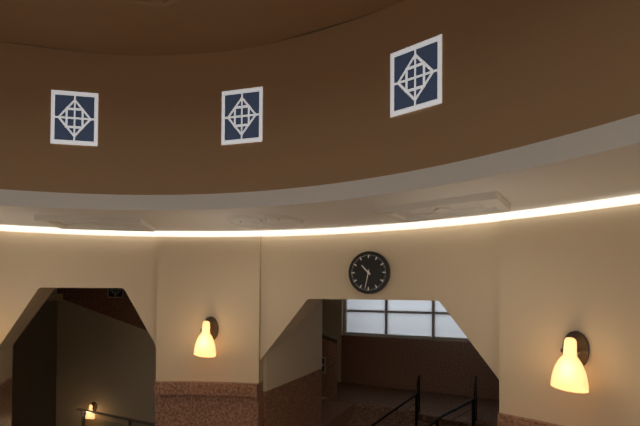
{"hour": 10, "minute": 32}
